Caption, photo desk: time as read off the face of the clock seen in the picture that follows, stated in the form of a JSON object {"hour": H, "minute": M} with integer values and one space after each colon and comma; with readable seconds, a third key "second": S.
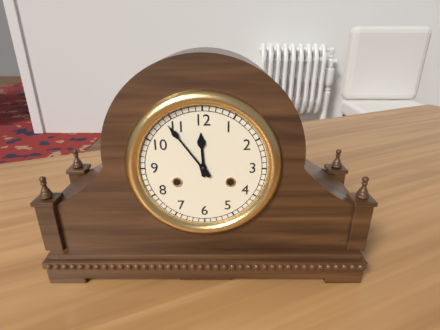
{"hour": 11, "minute": 54}
